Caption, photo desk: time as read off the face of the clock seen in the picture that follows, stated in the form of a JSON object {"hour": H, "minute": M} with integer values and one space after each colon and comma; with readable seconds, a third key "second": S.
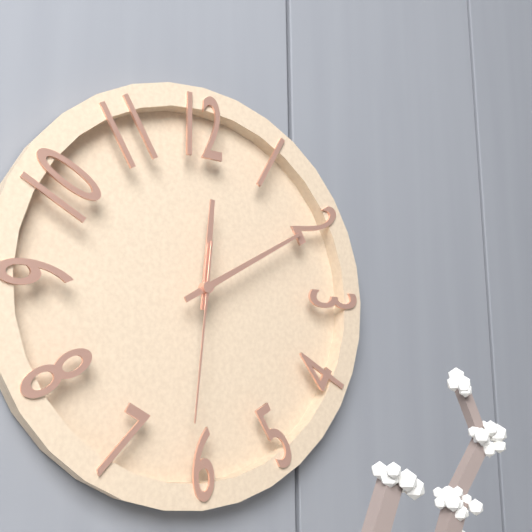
{"hour": 12, "minute": 10, "second": 31}
